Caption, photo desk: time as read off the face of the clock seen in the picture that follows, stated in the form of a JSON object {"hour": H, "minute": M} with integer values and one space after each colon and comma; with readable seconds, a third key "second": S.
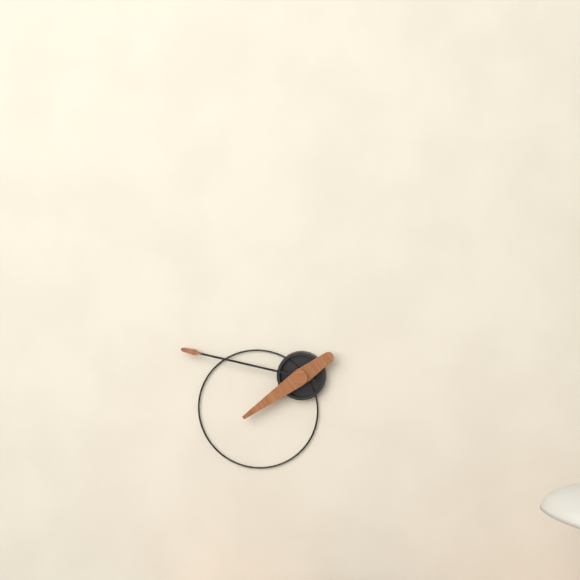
{"hour": 7, "minute": 47}
